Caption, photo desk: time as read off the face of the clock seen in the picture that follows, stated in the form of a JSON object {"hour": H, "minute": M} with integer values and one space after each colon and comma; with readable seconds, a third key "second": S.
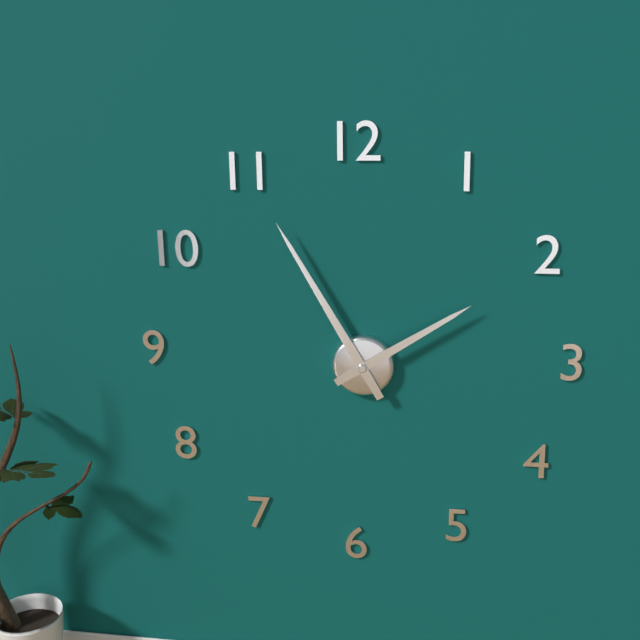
{"hour": 1, "minute": 55}
